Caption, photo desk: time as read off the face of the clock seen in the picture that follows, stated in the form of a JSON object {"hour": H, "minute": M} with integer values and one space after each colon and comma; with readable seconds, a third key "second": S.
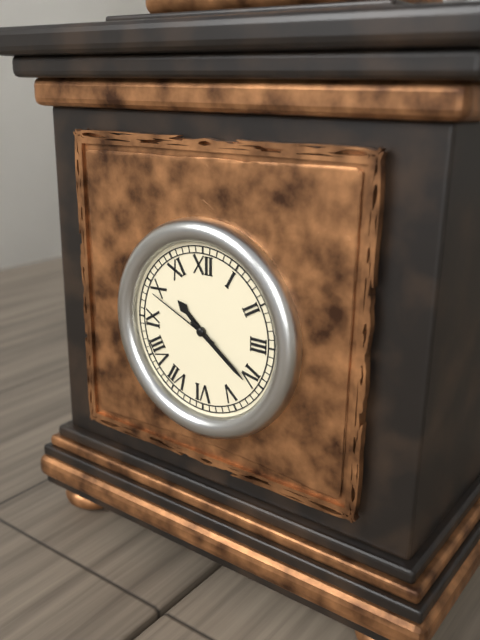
{"hour": 10, "minute": 21, "second": 49}
